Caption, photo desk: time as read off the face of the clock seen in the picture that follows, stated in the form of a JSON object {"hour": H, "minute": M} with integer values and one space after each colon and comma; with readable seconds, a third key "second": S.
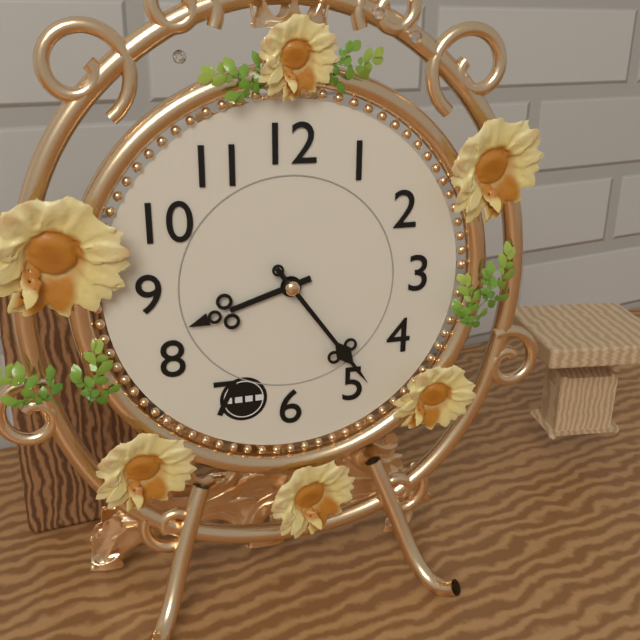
{"hour": 8, "minute": 24}
